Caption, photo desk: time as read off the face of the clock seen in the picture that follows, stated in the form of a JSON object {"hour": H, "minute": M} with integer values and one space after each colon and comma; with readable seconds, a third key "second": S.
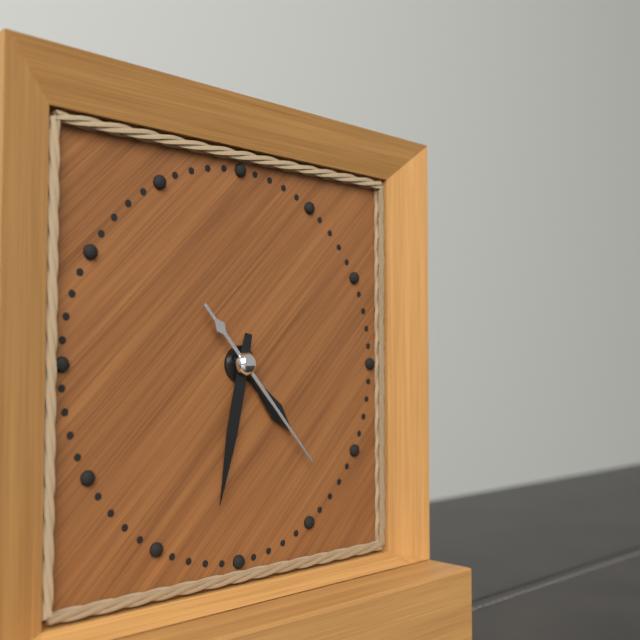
{"hour": 4, "minute": 32, "second": 23}
